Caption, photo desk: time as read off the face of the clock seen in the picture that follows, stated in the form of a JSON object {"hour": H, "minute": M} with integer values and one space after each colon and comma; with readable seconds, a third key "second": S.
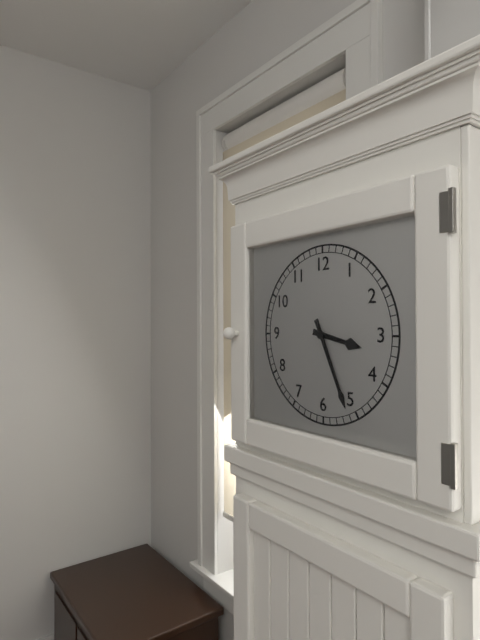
{"hour": 3, "minute": 26}
